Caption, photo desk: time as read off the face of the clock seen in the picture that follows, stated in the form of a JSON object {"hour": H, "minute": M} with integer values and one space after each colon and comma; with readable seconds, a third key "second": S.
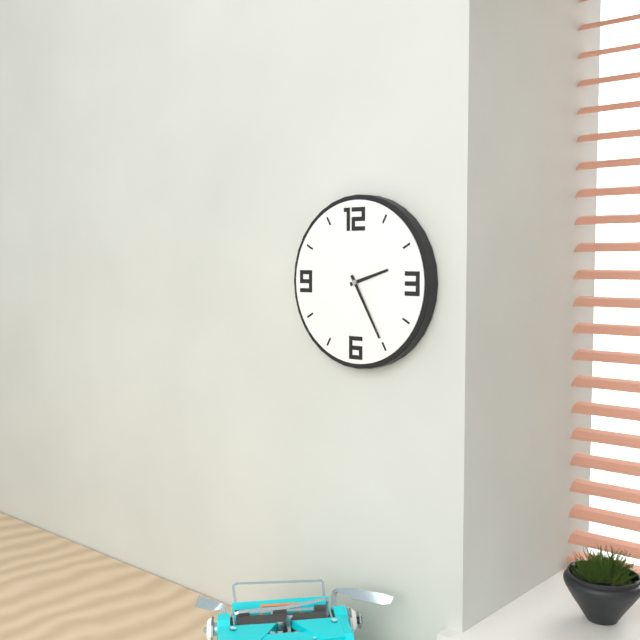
{"hour": 2, "minute": 25}
